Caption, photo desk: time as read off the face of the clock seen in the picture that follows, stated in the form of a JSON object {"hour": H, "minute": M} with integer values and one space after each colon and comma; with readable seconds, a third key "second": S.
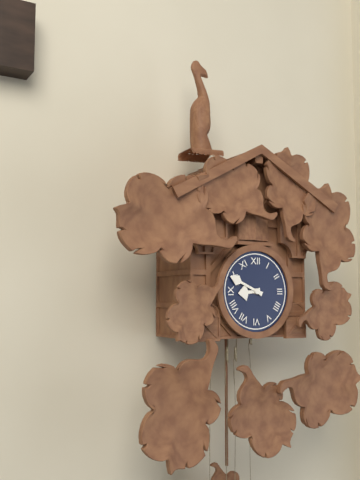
{"hour": 8, "minute": 49}
